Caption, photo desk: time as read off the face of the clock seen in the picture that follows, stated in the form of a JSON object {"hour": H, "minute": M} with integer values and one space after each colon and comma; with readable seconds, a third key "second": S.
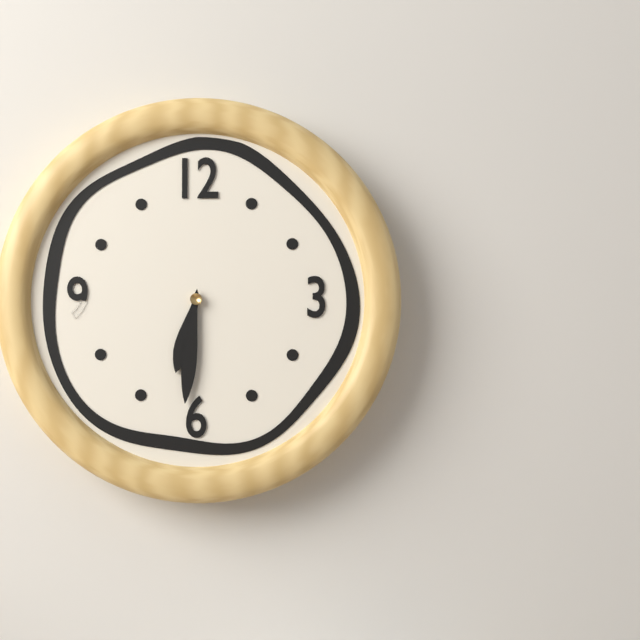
{"hour": 6, "minute": 31}
